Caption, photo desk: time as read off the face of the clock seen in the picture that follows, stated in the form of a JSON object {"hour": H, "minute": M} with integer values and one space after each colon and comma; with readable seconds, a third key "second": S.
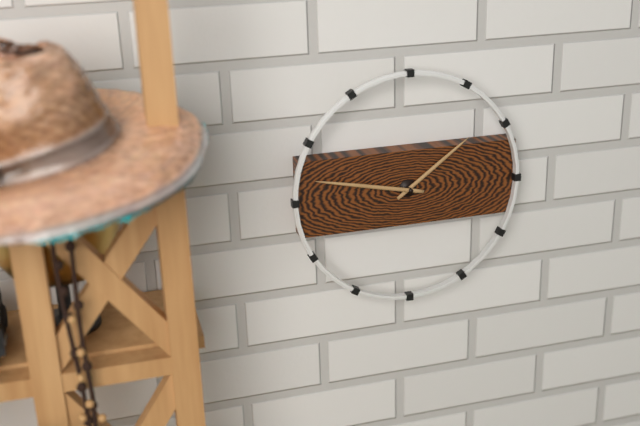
{"hour": 1, "minute": 47}
